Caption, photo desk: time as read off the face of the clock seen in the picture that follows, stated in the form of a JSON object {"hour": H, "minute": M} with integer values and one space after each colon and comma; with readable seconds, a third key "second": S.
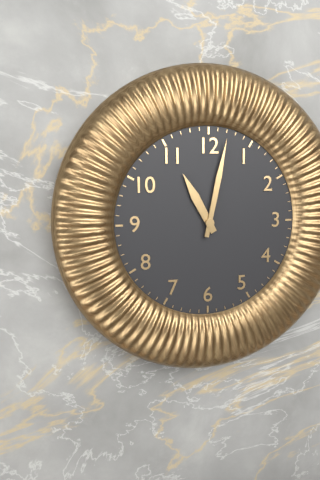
{"hour": 11, "minute": 2}
